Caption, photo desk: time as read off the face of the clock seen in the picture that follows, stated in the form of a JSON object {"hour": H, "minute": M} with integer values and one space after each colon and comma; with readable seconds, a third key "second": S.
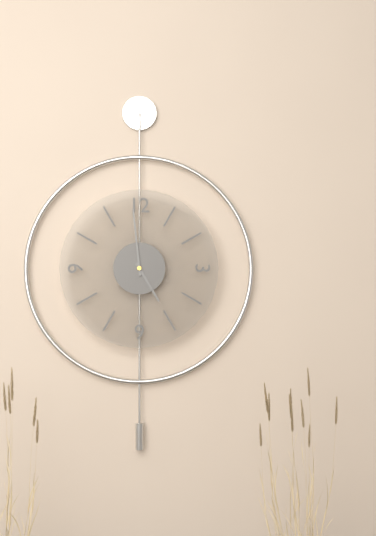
{"hour": 4, "minute": 59}
